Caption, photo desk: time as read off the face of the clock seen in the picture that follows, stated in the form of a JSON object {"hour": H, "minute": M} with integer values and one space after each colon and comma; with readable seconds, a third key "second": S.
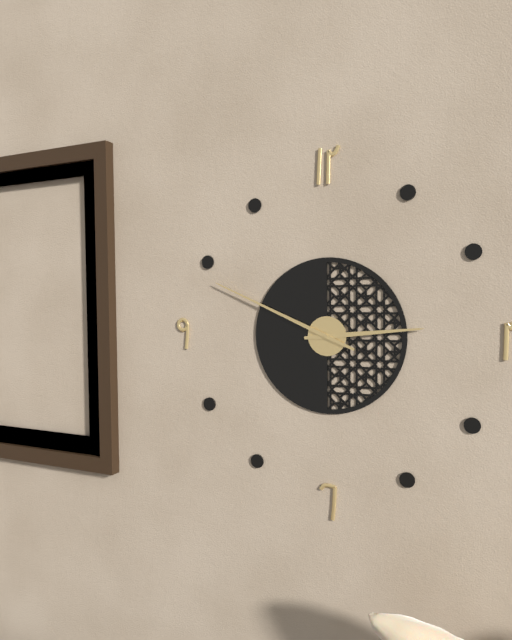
{"hour": 2, "minute": 49}
